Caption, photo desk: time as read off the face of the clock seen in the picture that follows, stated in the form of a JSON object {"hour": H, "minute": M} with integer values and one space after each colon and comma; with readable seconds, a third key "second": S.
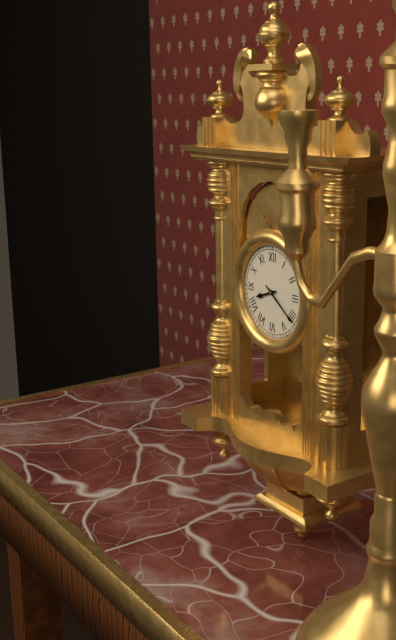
{"hour": 8, "minute": 21}
